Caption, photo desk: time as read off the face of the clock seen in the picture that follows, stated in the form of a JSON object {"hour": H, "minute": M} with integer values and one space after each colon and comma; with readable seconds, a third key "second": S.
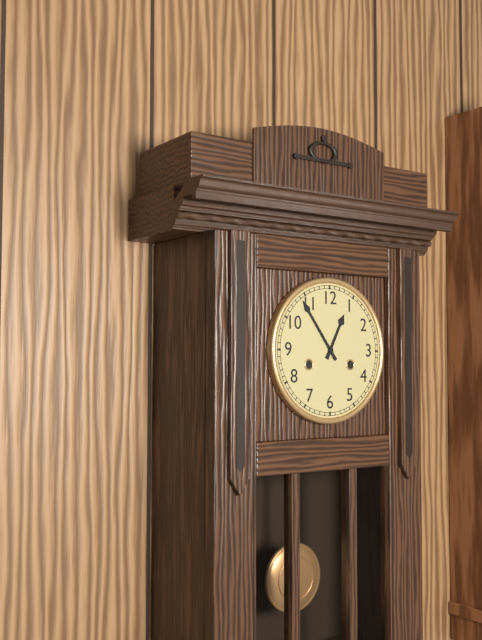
{"hour": 12, "minute": 54}
